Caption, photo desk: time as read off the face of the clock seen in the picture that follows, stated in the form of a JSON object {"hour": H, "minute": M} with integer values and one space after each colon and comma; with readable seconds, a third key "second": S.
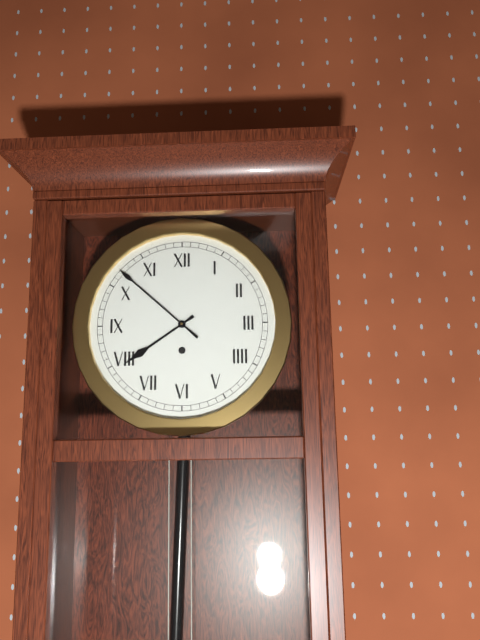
{"hour": 7, "minute": 52}
